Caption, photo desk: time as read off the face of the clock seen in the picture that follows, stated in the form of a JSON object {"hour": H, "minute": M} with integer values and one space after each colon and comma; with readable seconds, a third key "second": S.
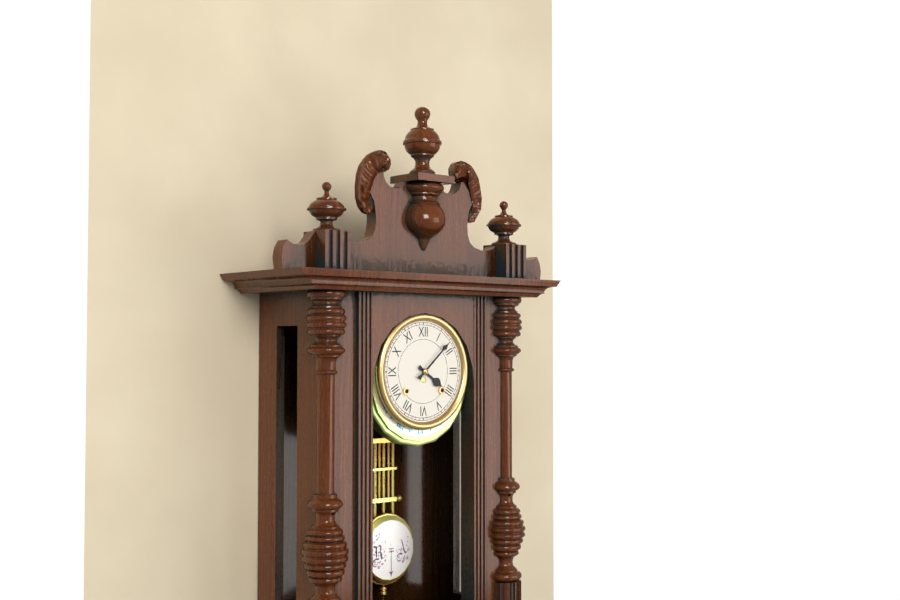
{"hour": 4, "minute": 8}
